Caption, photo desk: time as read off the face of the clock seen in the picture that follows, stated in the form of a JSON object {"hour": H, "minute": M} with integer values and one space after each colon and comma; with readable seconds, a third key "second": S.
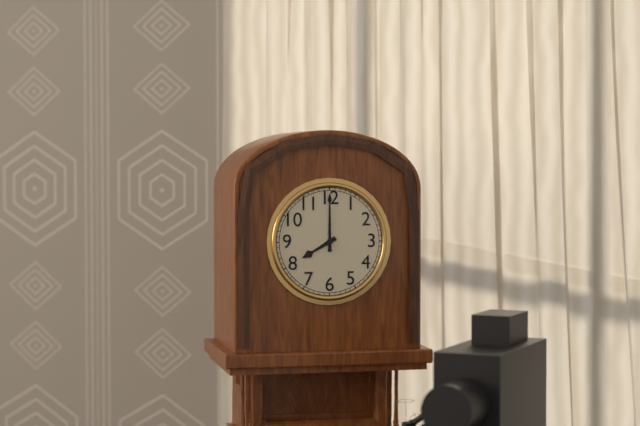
{"hour": 8, "minute": 0}
